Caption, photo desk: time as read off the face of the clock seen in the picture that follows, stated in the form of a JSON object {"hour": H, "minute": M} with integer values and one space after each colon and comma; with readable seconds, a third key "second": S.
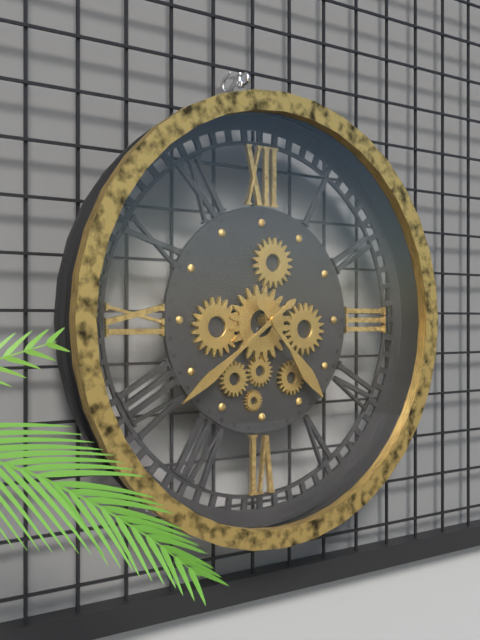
{"hour": 4, "minute": 39}
